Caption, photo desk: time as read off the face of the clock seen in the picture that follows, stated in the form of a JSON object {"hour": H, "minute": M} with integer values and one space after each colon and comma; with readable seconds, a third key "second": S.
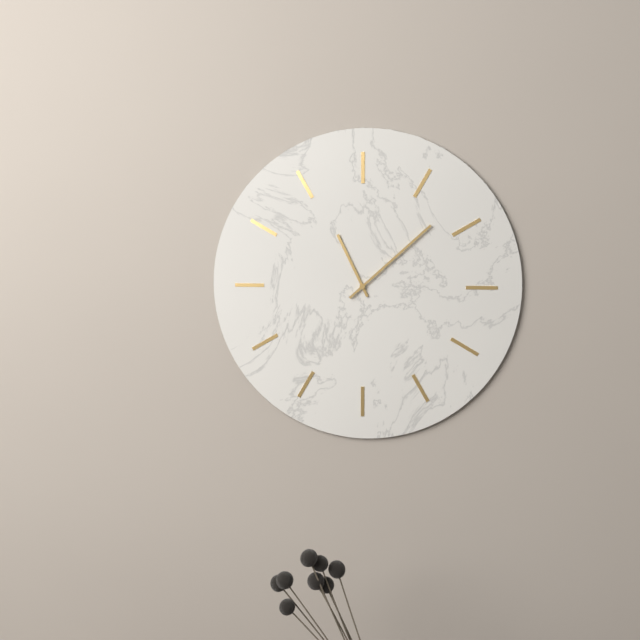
{"hour": 11, "minute": 8}
